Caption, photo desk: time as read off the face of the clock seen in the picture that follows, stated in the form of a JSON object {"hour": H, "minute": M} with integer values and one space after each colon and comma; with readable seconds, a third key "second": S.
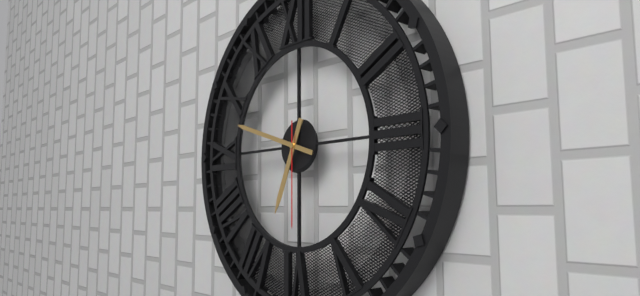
{"hour": 6, "minute": 48, "second": 30}
